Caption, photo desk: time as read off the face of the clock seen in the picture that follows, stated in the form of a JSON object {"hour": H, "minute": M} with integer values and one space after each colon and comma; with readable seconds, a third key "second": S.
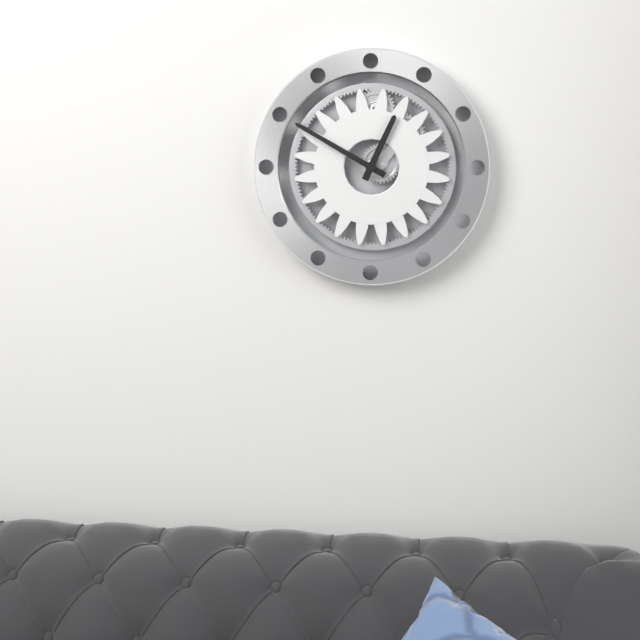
{"hour": 12, "minute": 50}
